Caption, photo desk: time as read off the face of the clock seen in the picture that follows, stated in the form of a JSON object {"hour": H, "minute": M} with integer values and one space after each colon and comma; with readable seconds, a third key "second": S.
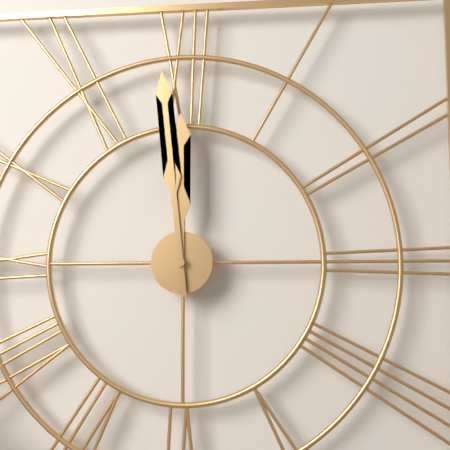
{"hour": 11, "minute": 59}
